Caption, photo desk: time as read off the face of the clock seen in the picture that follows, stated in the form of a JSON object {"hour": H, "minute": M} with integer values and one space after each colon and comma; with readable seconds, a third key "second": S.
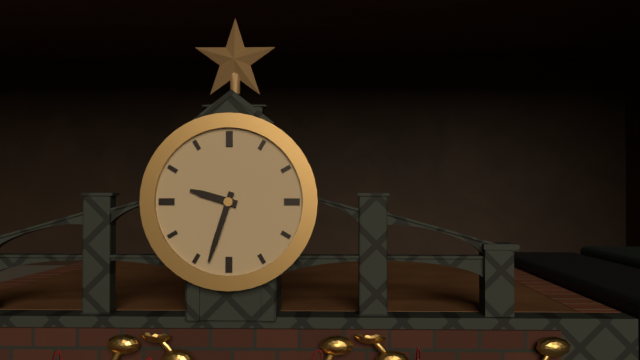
{"hour": 9, "minute": 33}
